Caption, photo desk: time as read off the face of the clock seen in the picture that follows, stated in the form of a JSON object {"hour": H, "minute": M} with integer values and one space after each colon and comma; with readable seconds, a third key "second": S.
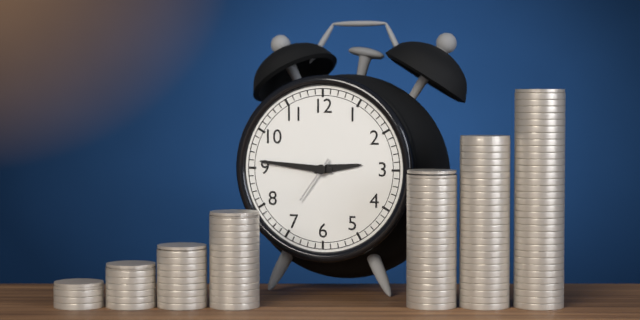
{"hour": 2, "minute": 46}
